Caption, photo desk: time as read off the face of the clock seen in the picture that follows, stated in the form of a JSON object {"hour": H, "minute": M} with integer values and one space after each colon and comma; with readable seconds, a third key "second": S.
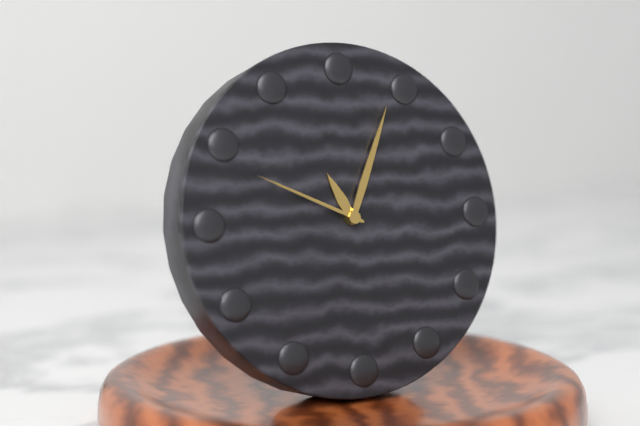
{"hour": 11, "minute": 4, "second": 49}
